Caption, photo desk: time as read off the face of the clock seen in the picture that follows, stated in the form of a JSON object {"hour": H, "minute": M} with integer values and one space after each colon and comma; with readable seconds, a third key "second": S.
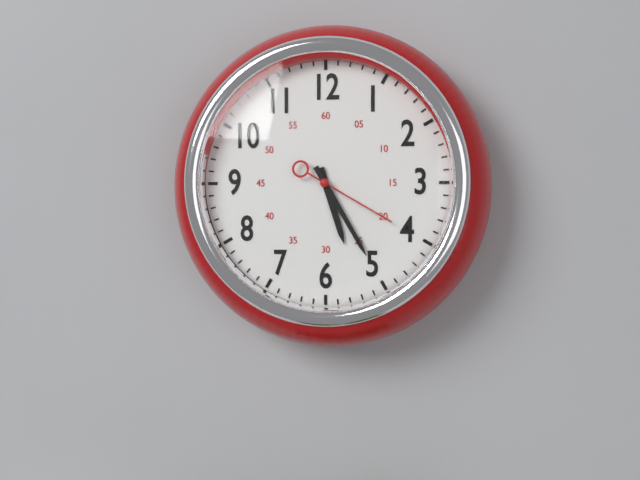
{"hour": 5, "minute": 25, "second": 20}
